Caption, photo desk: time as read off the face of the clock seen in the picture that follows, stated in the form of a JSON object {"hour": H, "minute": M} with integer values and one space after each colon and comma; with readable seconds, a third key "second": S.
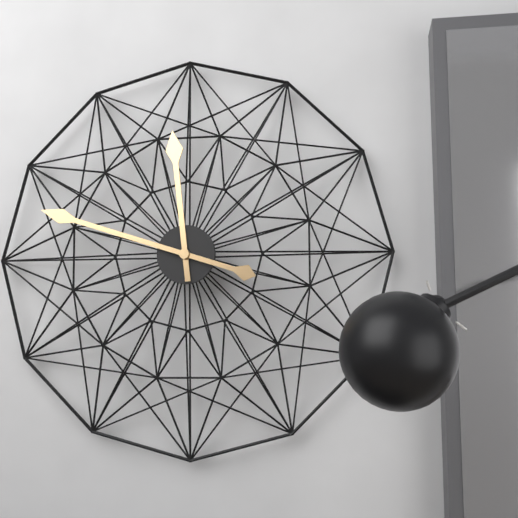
{"hour": 11, "minute": 48}
